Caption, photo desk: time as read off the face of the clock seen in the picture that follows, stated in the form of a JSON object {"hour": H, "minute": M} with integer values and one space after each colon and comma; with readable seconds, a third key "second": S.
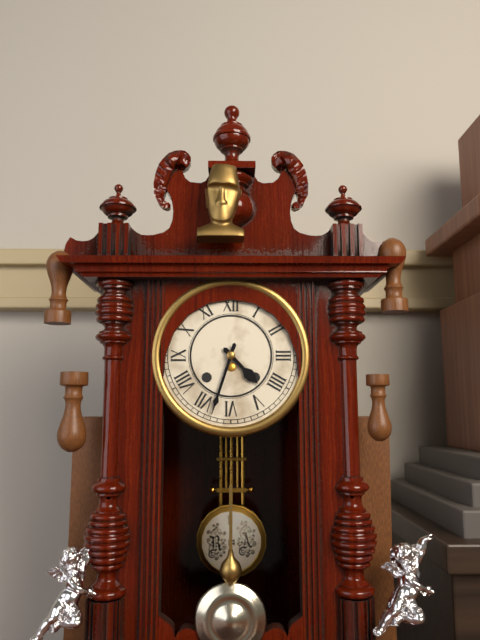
{"hour": 4, "minute": 33}
